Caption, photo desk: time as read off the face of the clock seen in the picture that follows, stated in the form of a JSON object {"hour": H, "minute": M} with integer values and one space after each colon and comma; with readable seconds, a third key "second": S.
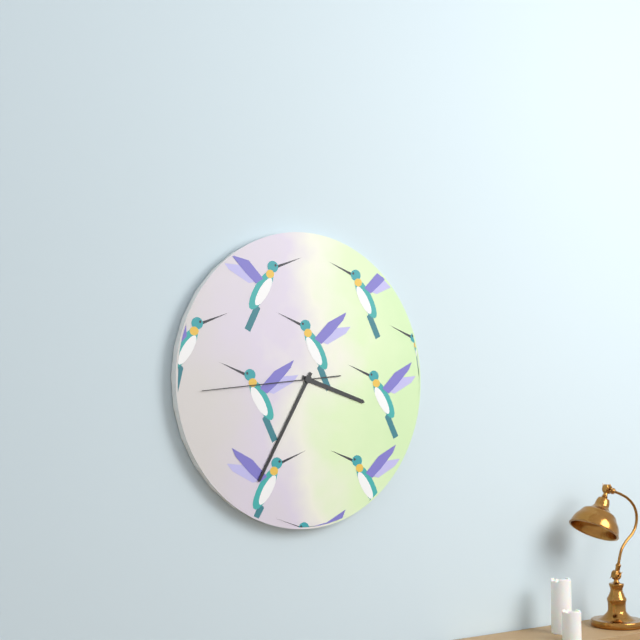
{"hour": 3, "minute": 35, "second": 44}
